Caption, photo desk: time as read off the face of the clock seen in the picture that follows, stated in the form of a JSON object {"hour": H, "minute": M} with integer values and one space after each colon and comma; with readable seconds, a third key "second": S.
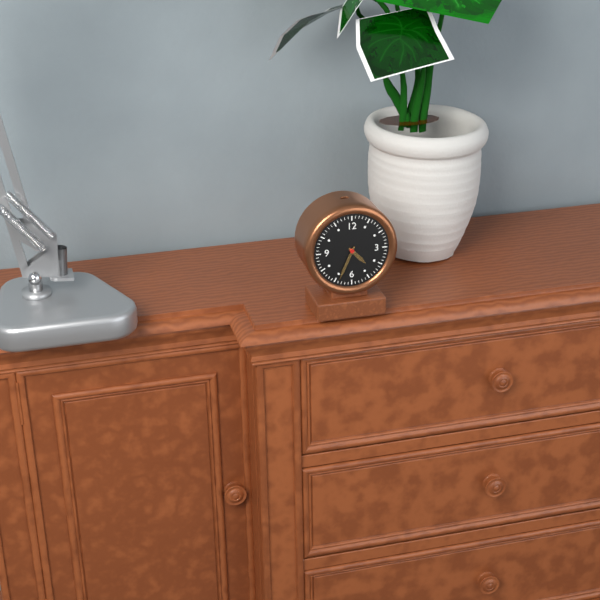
{"hour": 4, "minute": 34}
